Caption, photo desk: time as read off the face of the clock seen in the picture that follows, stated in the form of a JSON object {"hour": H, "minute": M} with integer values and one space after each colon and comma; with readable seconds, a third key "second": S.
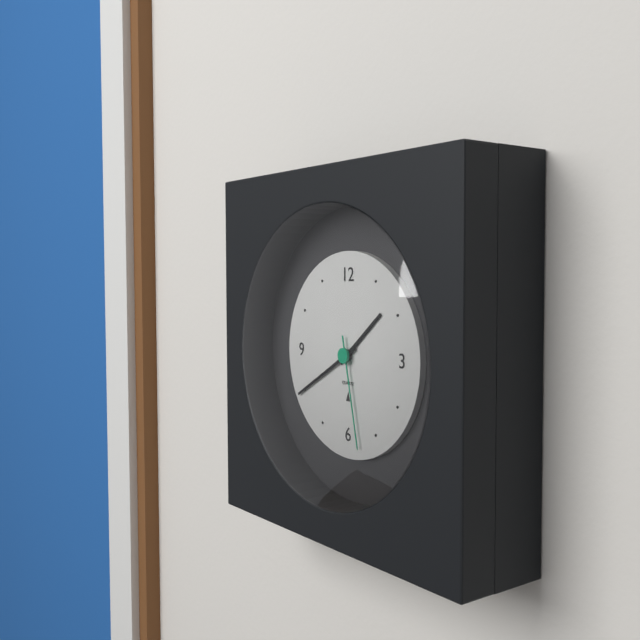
{"hour": 1, "minute": 40, "second": 28}
